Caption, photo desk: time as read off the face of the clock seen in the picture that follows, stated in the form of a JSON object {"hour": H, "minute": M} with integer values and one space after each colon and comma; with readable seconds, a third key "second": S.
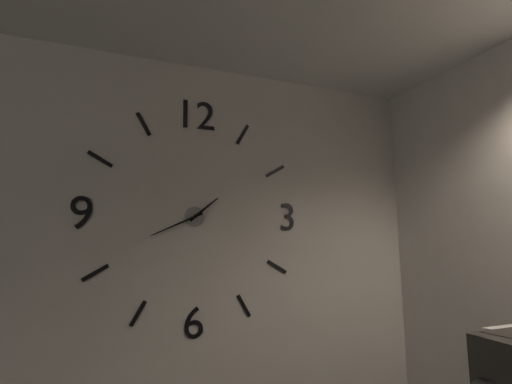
{"hour": 1, "minute": 41}
